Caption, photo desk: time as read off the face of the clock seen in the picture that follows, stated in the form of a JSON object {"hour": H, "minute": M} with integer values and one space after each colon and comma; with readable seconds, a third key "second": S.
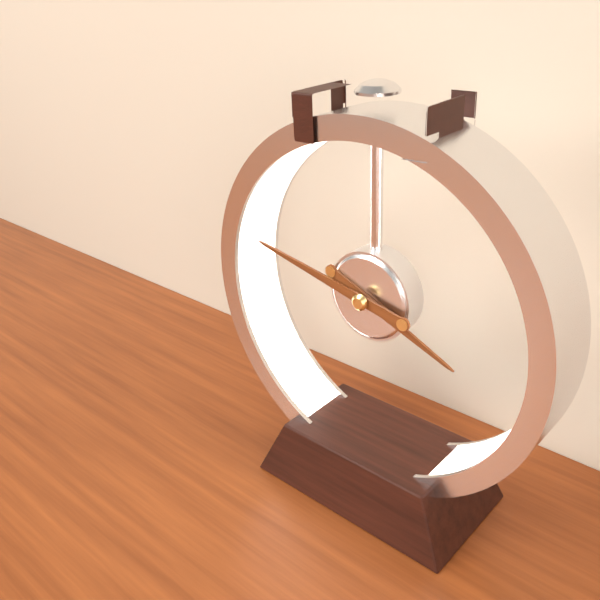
{"hour": 3, "minute": 47}
